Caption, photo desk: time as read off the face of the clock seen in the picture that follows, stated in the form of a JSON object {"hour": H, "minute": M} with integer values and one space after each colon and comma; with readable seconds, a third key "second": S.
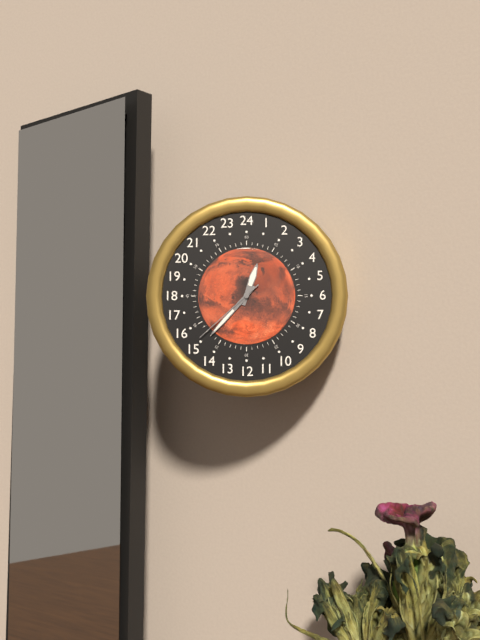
{"hour": 12, "minute": 37, "second": 38}
